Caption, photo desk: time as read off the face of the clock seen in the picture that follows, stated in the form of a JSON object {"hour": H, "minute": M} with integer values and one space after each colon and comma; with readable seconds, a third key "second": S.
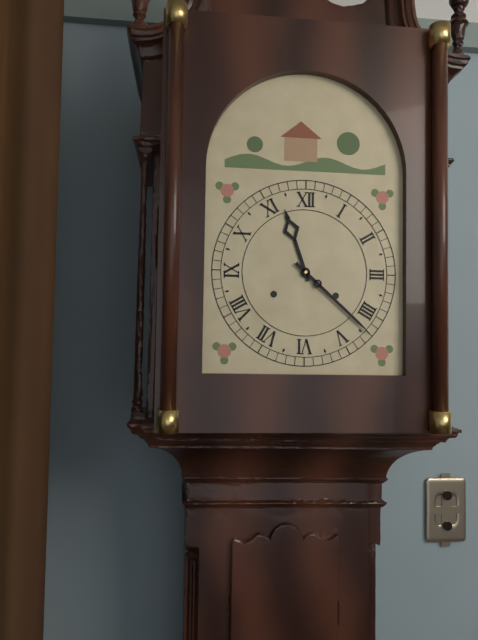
{"hour": 11, "minute": 22}
